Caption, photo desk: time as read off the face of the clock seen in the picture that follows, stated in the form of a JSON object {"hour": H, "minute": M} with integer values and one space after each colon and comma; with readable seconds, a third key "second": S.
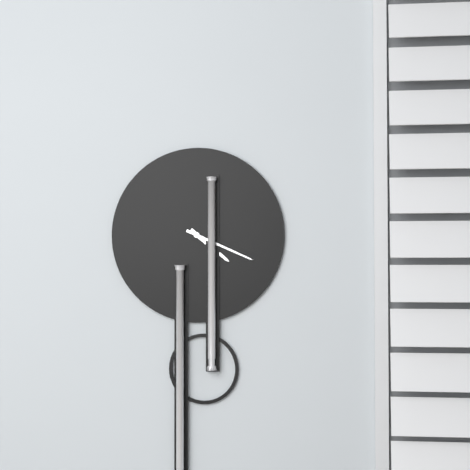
{"hour": 4, "minute": 19}
